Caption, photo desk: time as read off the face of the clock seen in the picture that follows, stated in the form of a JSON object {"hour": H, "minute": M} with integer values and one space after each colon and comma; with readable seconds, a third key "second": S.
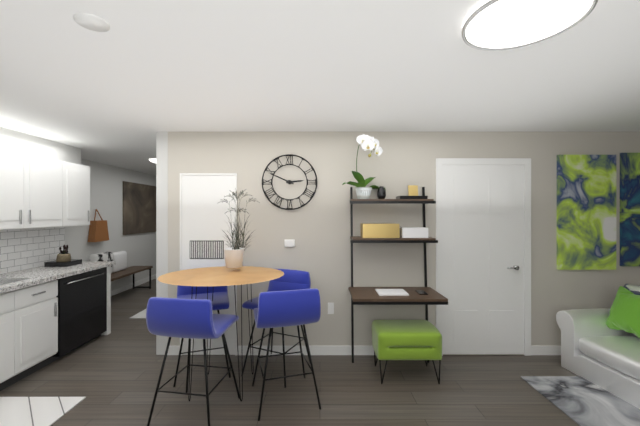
{"hour": 2, "minute": 49}
